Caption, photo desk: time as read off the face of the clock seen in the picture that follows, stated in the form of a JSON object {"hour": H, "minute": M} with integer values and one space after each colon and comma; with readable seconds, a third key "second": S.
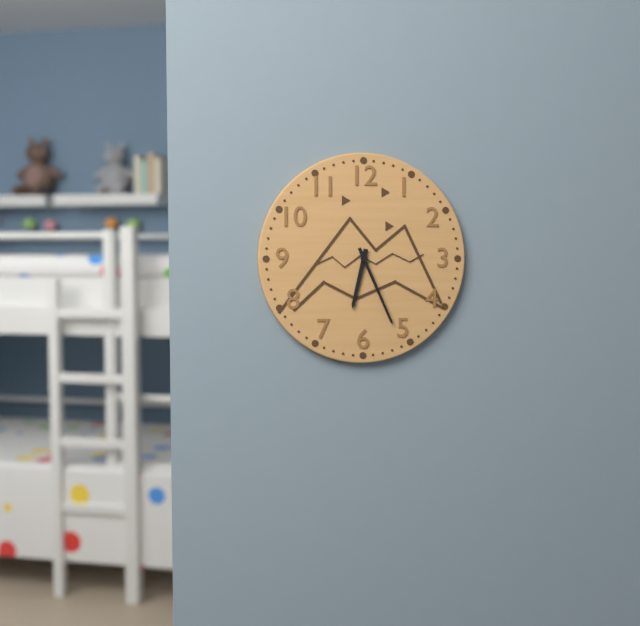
{"hour": 6, "minute": 26}
